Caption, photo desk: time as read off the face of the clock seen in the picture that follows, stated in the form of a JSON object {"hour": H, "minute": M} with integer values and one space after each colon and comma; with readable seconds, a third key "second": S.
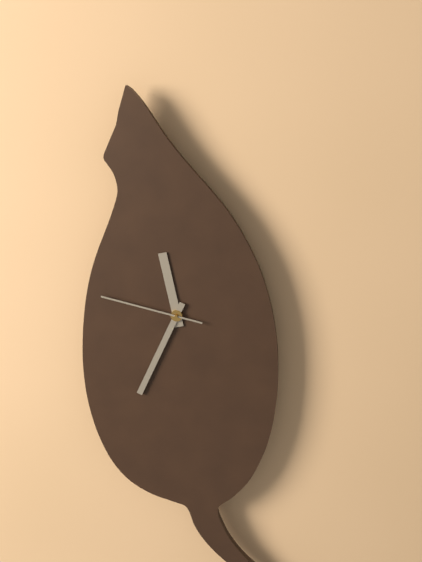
{"hour": 11, "minute": 34, "second": 47}
